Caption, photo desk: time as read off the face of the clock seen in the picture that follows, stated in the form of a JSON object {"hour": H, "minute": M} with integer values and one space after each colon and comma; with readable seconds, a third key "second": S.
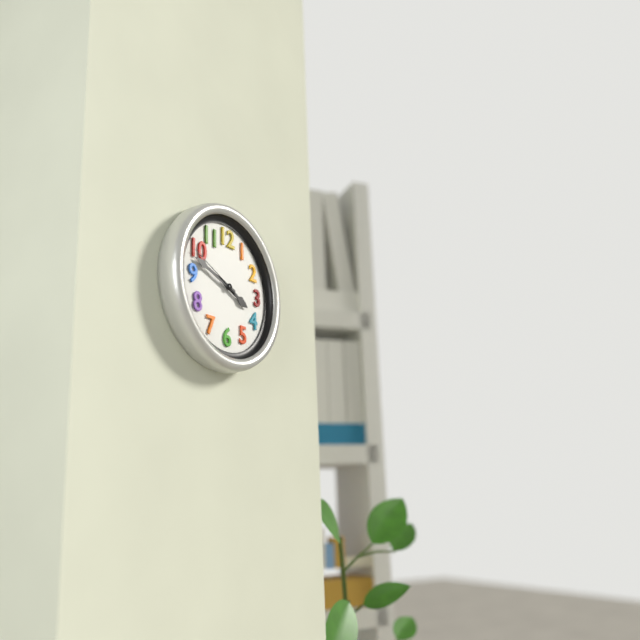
{"hour": 3, "minute": 48, "second": 49}
